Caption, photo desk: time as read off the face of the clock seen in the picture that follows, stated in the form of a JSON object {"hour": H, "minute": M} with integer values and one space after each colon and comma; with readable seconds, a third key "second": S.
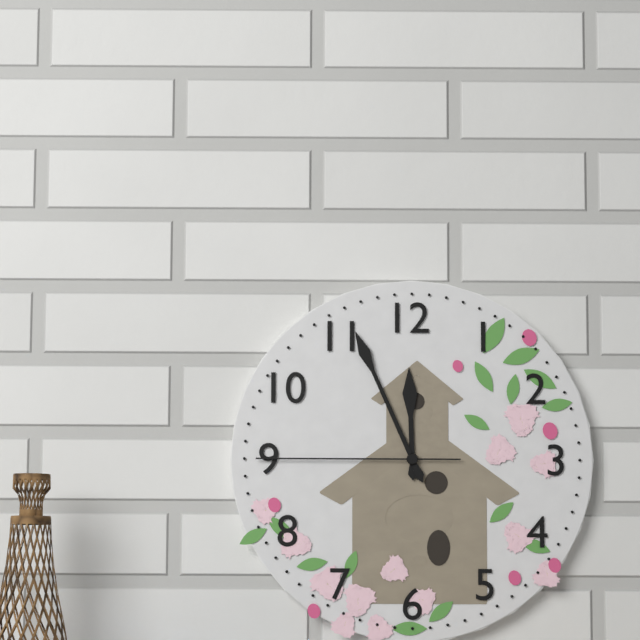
{"hour": 11, "minute": 56, "second": 45}
